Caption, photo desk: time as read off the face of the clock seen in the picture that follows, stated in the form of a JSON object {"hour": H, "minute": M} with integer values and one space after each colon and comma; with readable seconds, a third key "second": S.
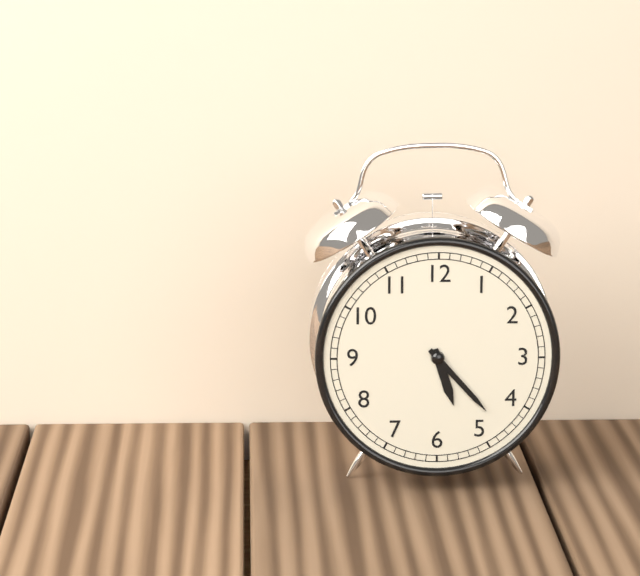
{"hour": 5, "minute": 23}
